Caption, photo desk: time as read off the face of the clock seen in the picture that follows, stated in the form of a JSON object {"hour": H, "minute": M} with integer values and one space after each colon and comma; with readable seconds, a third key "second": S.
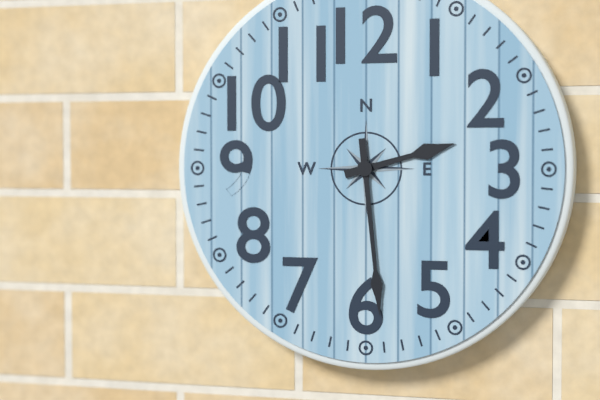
{"hour": 2, "minute": 29}
